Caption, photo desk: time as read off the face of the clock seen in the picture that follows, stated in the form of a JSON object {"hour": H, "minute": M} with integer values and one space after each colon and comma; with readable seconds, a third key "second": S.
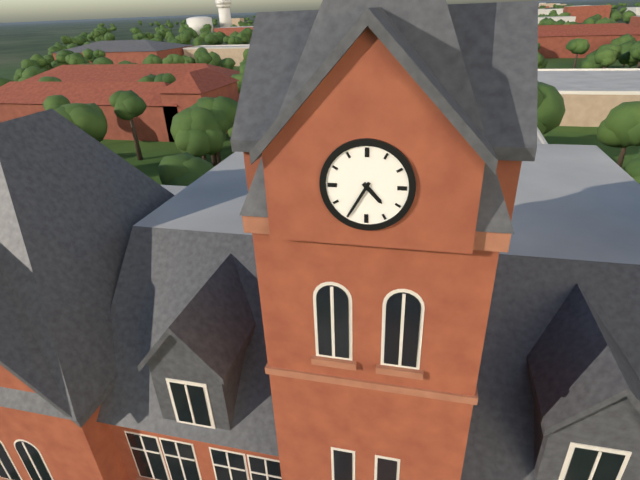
{"hour": 4, "minute": 35}
